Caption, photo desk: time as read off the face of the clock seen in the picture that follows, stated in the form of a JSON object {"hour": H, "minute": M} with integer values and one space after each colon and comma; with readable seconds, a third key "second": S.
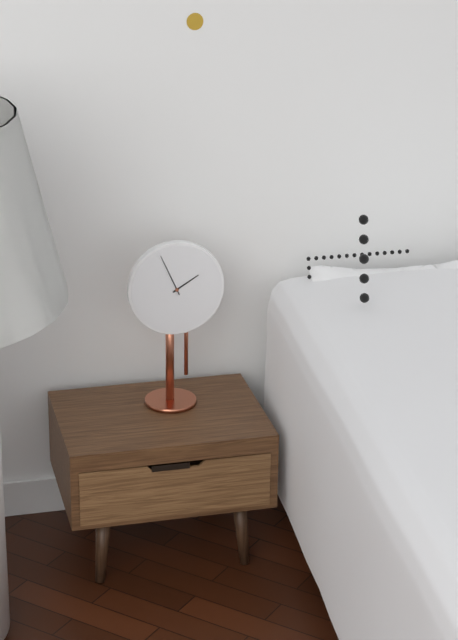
{"hour": 1, "minute": 56}
